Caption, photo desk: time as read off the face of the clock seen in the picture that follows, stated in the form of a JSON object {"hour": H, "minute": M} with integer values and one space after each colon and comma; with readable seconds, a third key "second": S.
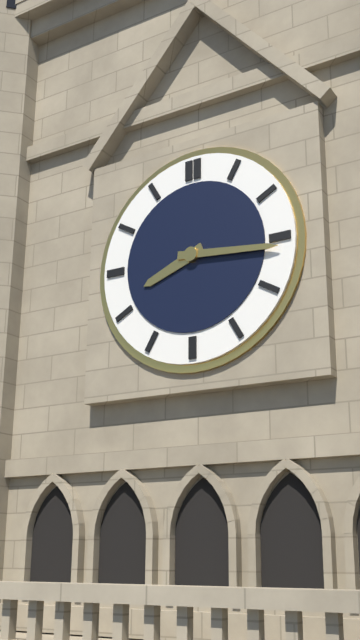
{"hour": 8, "minute": 16}
